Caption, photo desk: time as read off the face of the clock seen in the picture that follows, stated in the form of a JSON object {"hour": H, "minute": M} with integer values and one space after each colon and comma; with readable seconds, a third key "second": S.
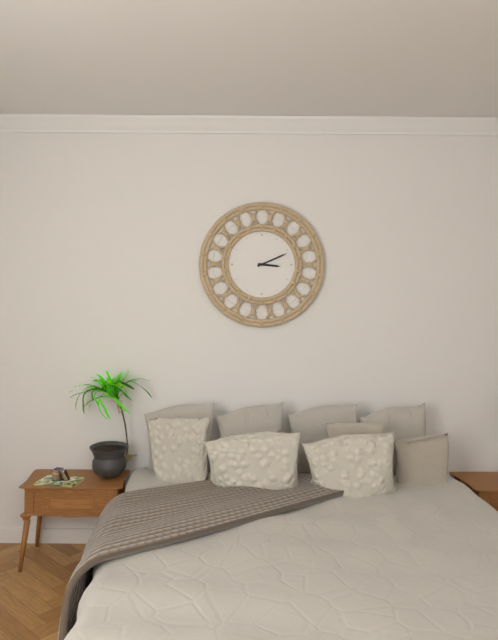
{"hour": 3, "minute": 11}
